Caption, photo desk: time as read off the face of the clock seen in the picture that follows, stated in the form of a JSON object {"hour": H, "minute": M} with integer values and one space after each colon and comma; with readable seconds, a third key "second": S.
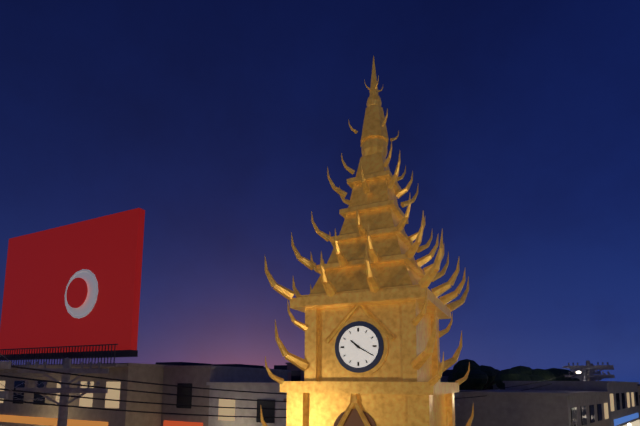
{"hour": 10, "minute": 20}
